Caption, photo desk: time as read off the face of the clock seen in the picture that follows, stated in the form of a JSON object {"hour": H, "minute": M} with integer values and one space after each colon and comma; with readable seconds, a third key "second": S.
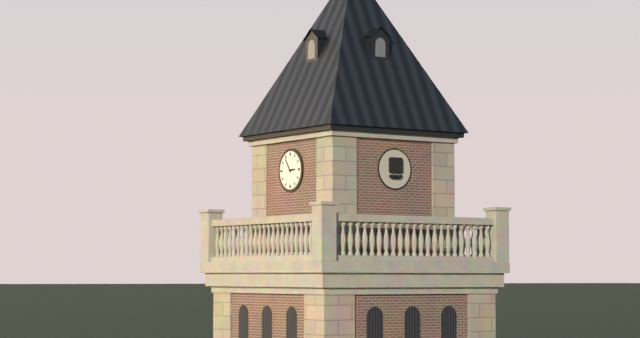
{"hour": 2, "minute": 54}
